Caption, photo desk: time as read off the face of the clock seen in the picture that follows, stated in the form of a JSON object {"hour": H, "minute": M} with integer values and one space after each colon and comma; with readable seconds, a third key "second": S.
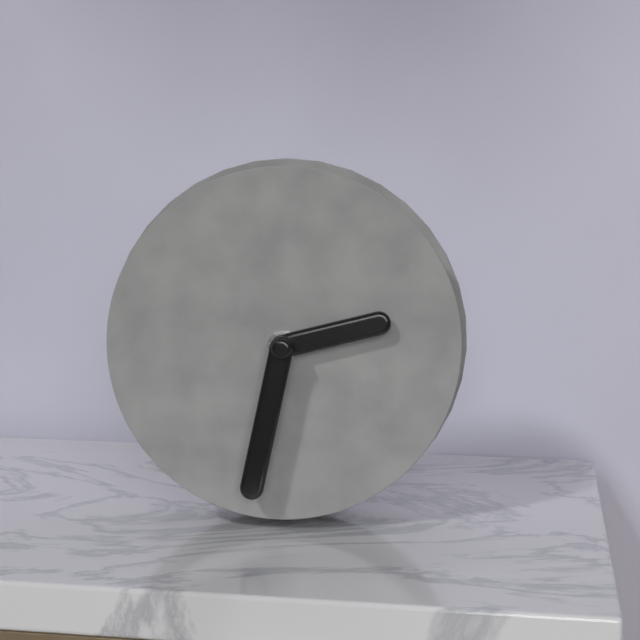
{"hour": 2, "minute": 32}
